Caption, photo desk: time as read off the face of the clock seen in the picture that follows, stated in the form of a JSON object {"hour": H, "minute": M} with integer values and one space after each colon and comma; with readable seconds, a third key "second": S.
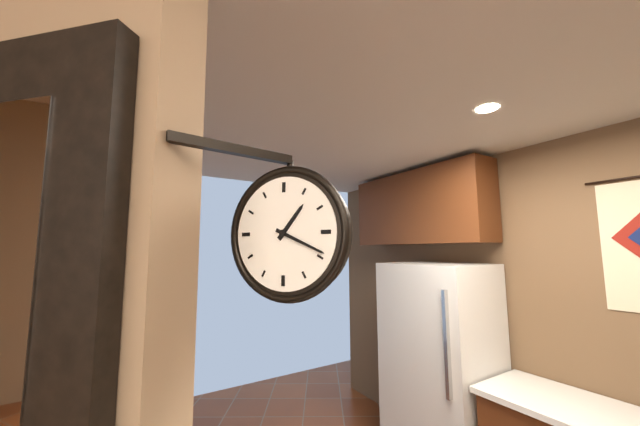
{"hour": 1, "minute": 19}
